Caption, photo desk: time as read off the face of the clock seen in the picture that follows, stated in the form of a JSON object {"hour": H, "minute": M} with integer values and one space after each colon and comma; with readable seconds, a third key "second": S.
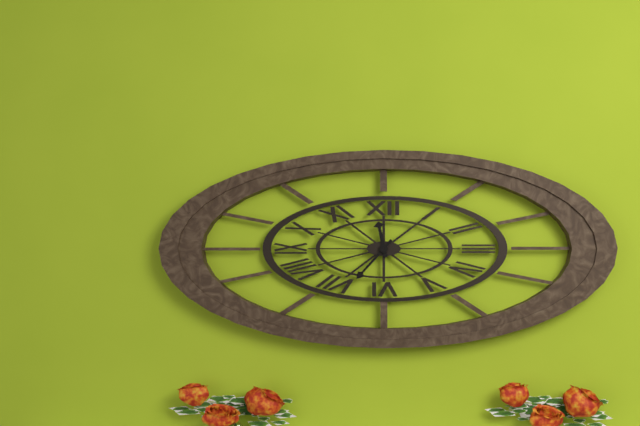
{"hour": 11, "minute": 37}
